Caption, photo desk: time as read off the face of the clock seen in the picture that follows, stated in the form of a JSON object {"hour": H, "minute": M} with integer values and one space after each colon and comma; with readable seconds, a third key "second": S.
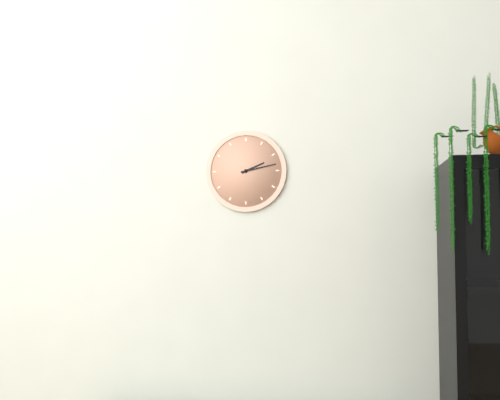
{"hour": 2, "minute": 13}
